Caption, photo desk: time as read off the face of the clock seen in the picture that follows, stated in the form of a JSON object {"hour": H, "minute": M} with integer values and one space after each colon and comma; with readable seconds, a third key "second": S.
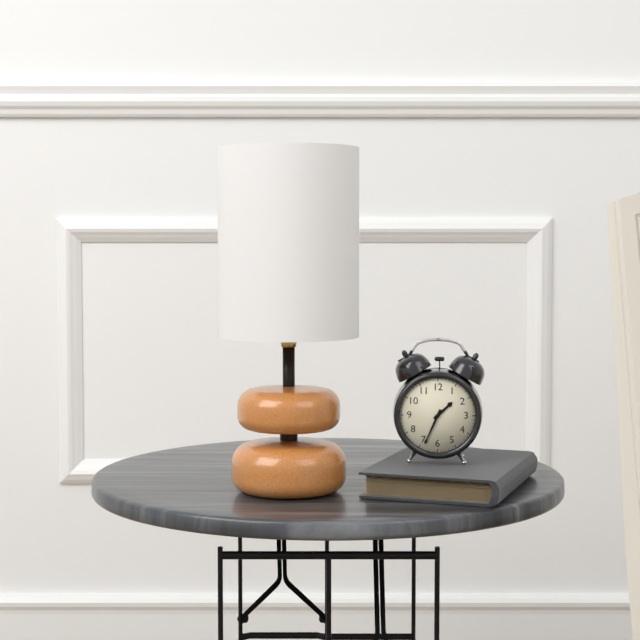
{"hour": 1, "minute": 34}
